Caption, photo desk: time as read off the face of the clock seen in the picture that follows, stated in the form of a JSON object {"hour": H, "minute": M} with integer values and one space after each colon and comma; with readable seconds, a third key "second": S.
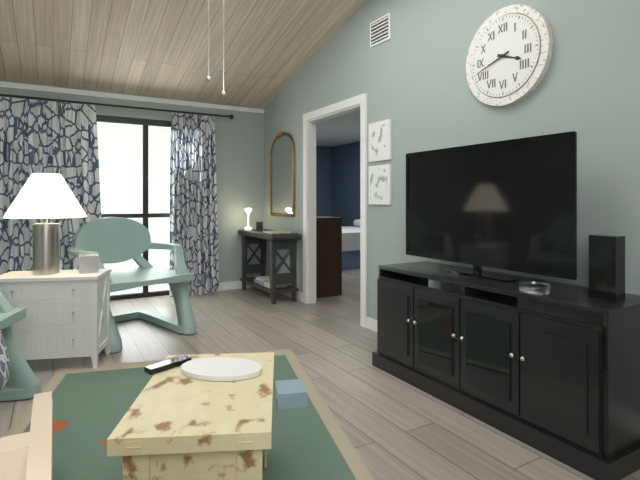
{"hour": 3, "minute": 42}
